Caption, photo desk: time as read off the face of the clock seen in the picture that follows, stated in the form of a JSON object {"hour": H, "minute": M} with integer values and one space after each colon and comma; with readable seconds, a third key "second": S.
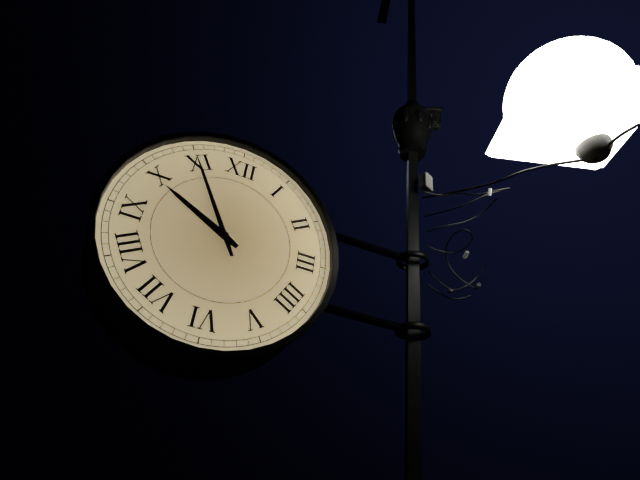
{"hour": 9, "minute": 55}
